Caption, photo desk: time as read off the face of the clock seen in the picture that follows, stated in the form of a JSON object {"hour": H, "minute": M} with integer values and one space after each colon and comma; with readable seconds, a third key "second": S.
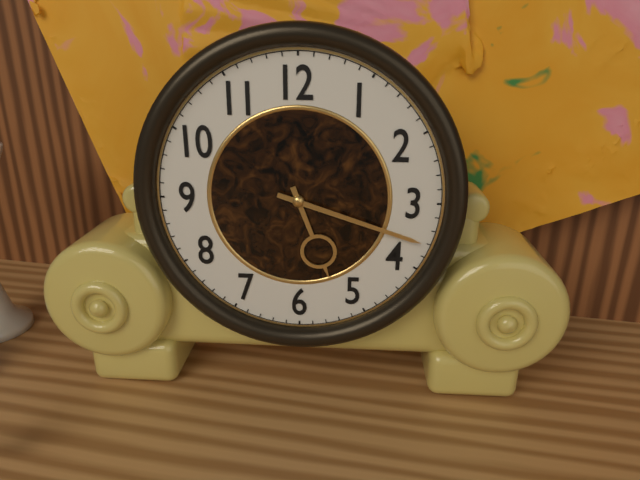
{"hour": 5, "minute": 18}
